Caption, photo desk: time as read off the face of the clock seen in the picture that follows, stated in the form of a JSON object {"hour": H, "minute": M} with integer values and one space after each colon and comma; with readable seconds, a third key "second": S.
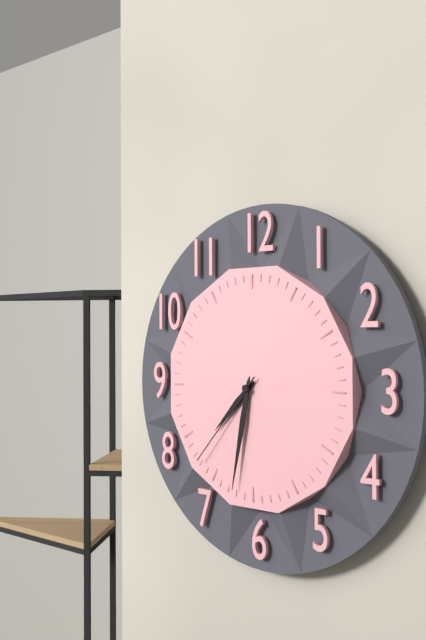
{"hour": 7, "minute": 32, "second": 37}
